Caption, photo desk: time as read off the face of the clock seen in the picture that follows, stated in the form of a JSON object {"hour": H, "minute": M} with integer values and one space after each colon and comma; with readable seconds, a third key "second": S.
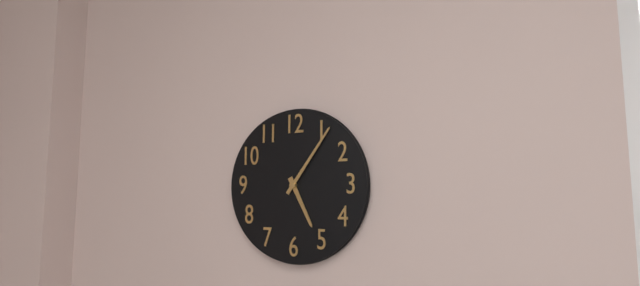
{"hour": 5, "minute": 6}
